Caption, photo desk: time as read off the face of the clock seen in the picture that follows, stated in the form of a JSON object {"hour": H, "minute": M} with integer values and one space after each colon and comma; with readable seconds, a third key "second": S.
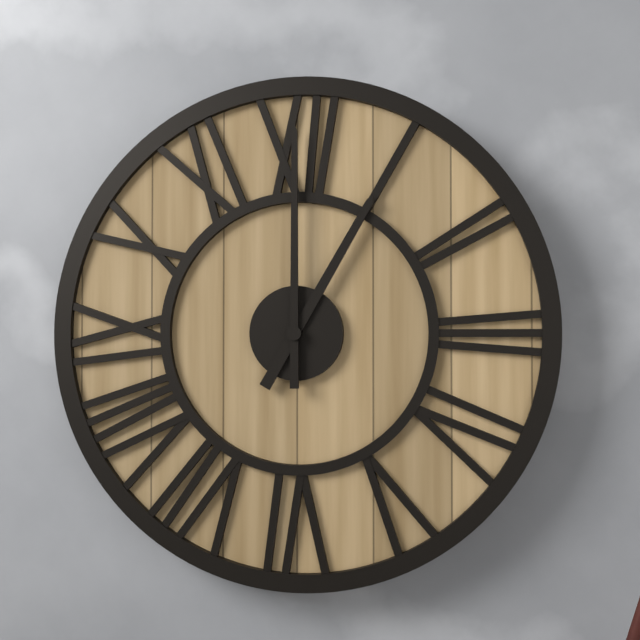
{"hour": 1, "minute": 0}
